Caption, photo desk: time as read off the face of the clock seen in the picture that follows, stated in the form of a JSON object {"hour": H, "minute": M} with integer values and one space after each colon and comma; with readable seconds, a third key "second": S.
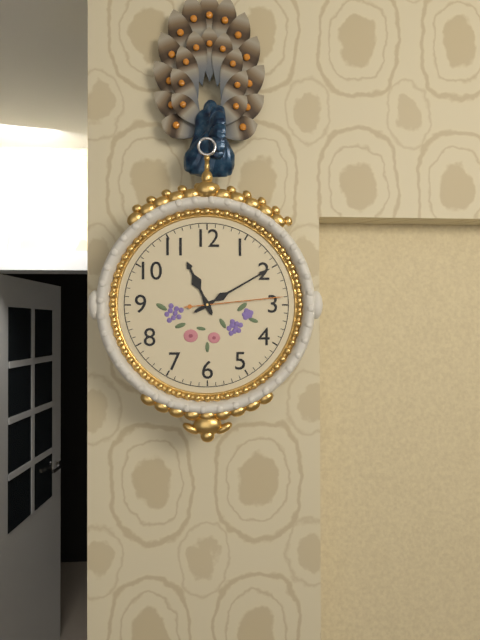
{"hour": 11, "minute": 10, "second": 14}
